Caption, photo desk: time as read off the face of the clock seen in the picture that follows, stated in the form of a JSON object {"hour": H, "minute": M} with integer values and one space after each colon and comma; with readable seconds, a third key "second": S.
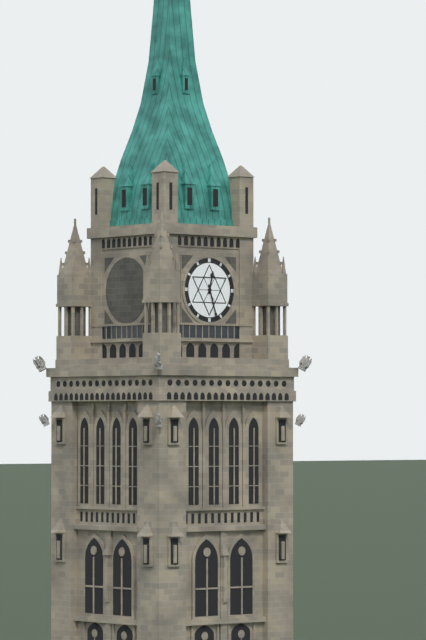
{"hour": 12, "minute": 27}
